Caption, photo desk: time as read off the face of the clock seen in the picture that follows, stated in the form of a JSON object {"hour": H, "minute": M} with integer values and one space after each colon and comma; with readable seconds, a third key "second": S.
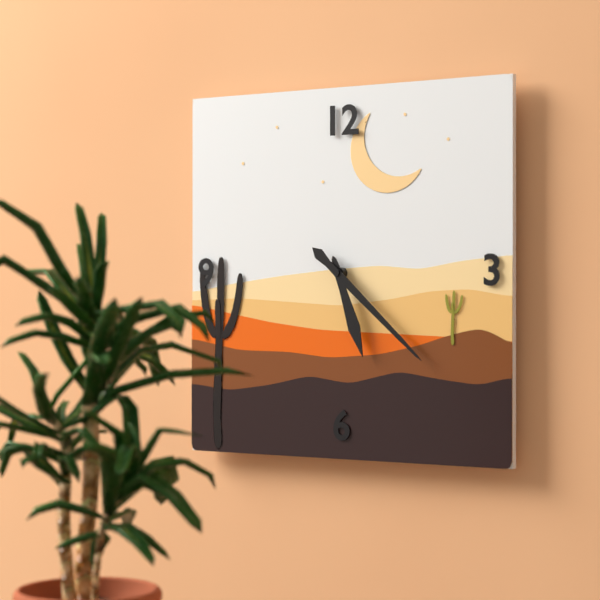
{"hour": 5, "minute": 22}
